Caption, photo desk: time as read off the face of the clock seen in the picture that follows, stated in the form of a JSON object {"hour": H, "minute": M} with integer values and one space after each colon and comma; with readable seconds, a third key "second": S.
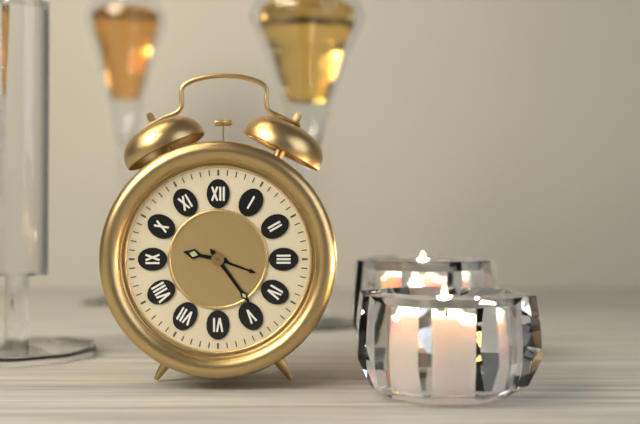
{"hour": 9, "minute": 24}
